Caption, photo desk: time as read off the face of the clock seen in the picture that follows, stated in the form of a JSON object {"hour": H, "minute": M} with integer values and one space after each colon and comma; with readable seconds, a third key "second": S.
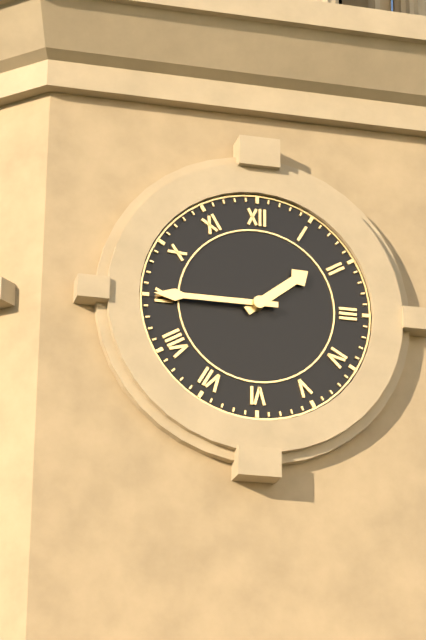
{"hour": 1, "minute": 45}
